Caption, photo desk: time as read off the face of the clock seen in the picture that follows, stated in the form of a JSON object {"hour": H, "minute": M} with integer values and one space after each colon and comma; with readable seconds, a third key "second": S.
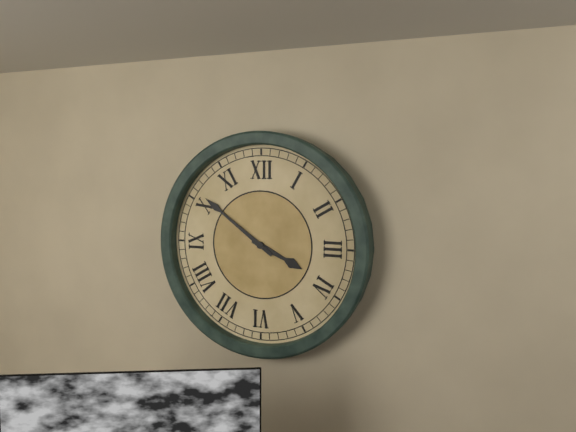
{"hour": 3, "minute": 51}
